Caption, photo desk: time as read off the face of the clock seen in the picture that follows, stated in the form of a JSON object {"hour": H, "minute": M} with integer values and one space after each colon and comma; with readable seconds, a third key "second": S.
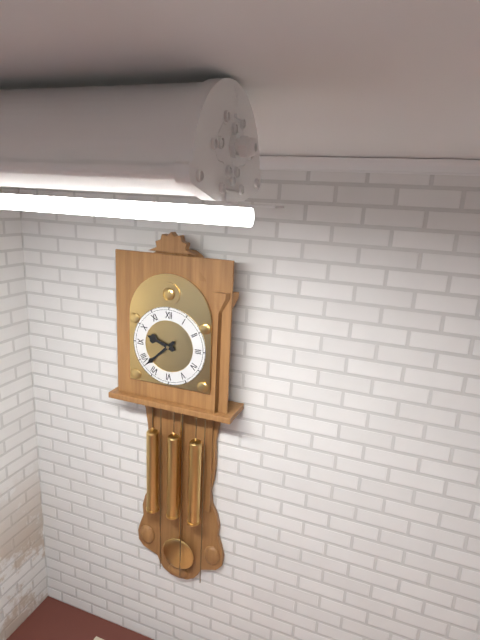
{"hour": 9, "minute": 38}
